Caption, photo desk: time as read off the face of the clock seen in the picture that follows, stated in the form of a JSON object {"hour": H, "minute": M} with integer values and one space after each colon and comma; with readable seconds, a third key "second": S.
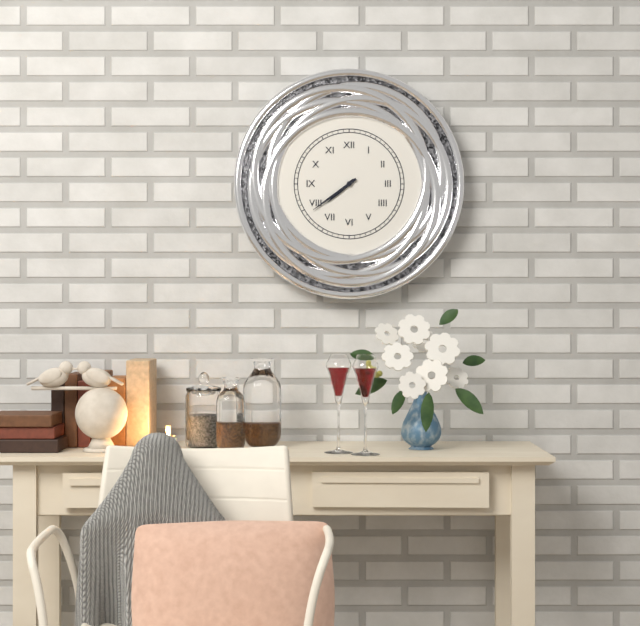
{"hour": 7, "minute": 39}
